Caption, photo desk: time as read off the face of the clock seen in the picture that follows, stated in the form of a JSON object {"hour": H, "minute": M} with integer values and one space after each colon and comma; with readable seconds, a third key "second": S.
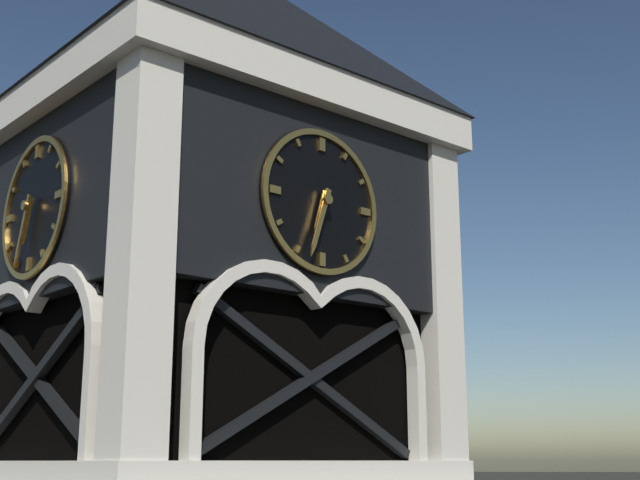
{"hour": 6, "minute": 33}
